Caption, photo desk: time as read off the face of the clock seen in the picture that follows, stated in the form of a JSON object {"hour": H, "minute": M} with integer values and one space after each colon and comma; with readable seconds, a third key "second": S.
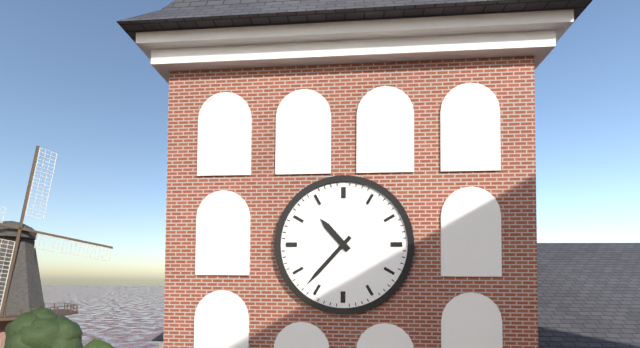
{"hour": 10, "minute": 37}
